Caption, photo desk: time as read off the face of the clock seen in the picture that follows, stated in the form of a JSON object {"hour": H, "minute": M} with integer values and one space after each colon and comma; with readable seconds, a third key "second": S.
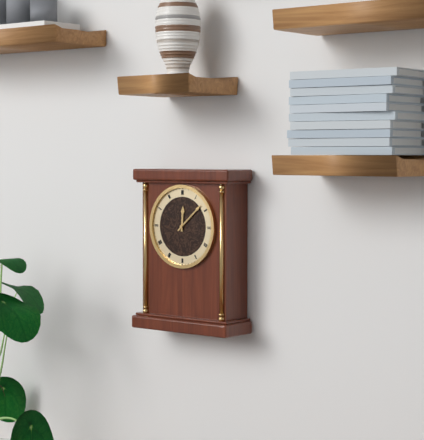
{"hour": 12, "minute": 8}
